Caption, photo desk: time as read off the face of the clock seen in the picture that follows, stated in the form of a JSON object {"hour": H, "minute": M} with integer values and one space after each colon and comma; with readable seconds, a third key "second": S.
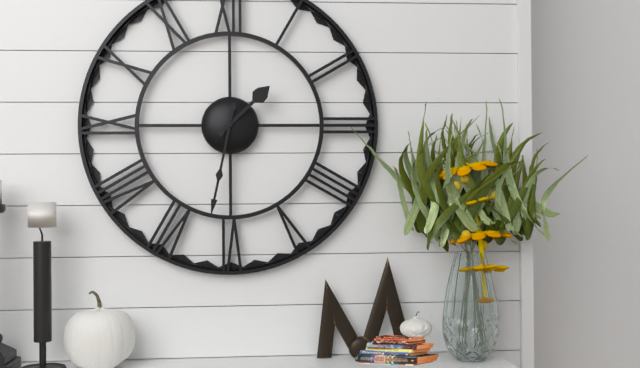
{"hour": 1, "minute": 32}
